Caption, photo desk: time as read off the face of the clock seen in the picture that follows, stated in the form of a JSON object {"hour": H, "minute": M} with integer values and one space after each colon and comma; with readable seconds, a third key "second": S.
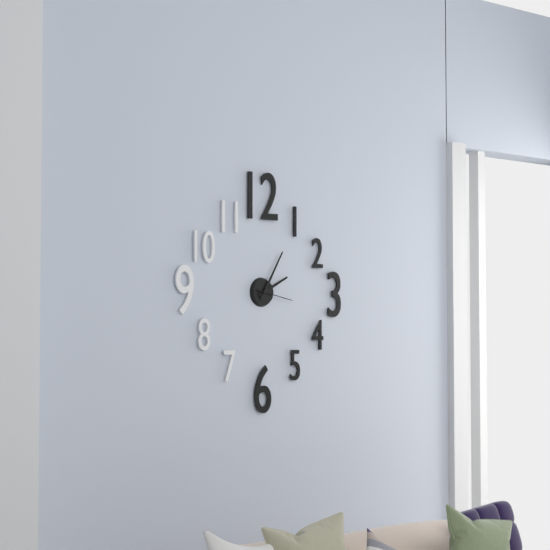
{"hour": 2, "minute": 5}
